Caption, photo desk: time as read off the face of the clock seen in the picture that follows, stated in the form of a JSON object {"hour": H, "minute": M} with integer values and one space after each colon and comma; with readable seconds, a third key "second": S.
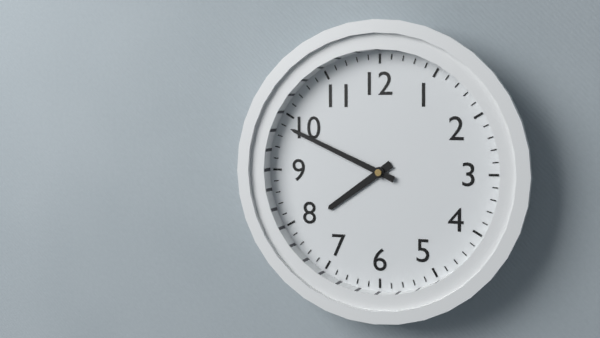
{"hour": 7, "minute": 49}
